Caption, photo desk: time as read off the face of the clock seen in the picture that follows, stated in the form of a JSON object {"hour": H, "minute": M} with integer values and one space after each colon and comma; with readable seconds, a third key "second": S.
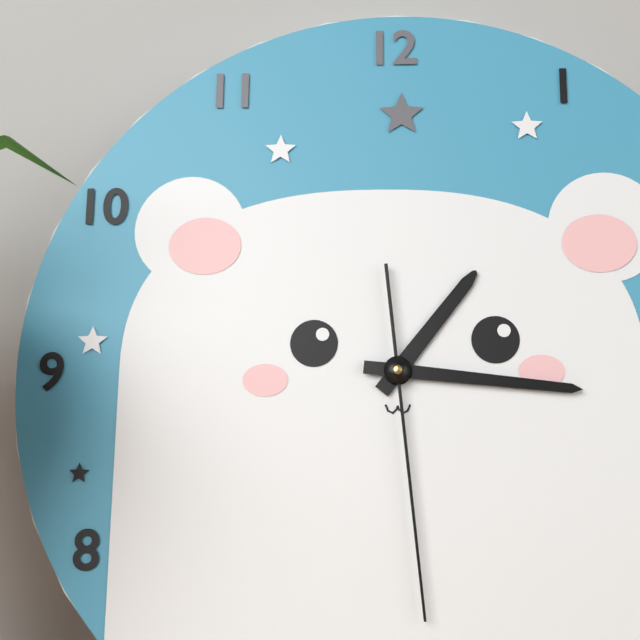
{"hour": 1, "minute": 16, "second": 29}
